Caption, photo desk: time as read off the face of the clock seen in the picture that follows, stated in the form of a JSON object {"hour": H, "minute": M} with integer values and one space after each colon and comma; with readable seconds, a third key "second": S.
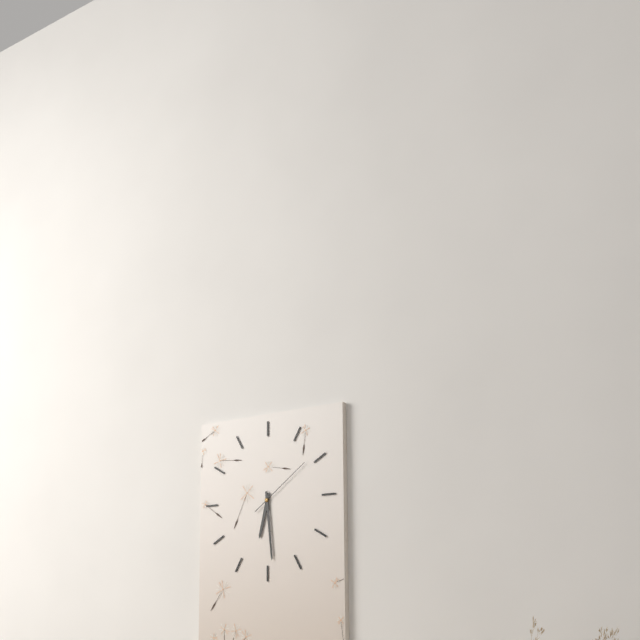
{"hour": 6, "minute": 29, "second": 9}
